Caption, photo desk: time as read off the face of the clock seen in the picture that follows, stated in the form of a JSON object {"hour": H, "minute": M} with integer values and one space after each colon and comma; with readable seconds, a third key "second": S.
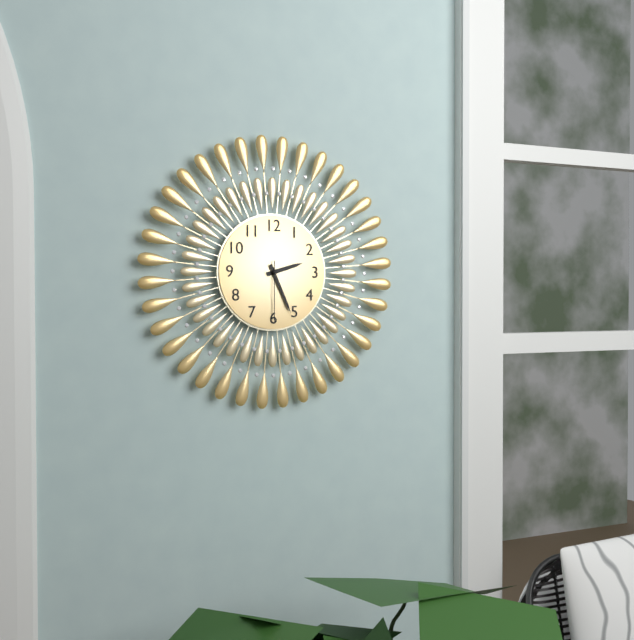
{"hour": 2, "minute": 26, "second": 30}
